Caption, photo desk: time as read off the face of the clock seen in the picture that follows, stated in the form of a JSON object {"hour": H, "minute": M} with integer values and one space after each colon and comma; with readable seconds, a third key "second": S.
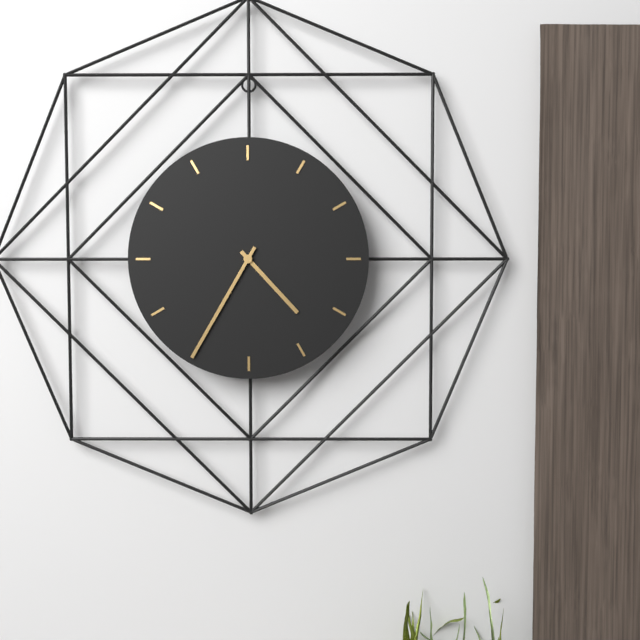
{"hour": 4, "minute": 35}
